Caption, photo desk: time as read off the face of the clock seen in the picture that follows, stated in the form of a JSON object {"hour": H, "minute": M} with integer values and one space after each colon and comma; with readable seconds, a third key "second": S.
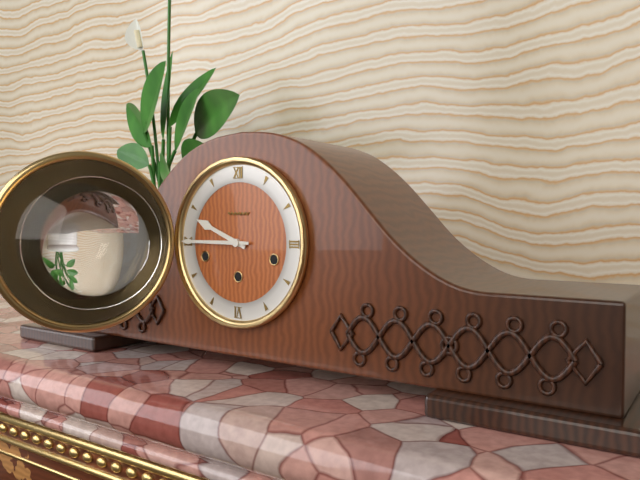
{"hour": 9, "minute": 45}
